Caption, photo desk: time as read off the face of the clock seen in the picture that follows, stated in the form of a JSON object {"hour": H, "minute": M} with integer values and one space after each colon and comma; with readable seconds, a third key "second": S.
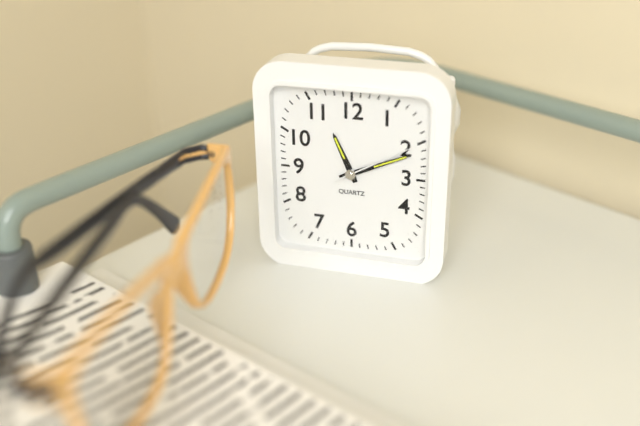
{"hour": 11, "minute": 11, "second": 10}
